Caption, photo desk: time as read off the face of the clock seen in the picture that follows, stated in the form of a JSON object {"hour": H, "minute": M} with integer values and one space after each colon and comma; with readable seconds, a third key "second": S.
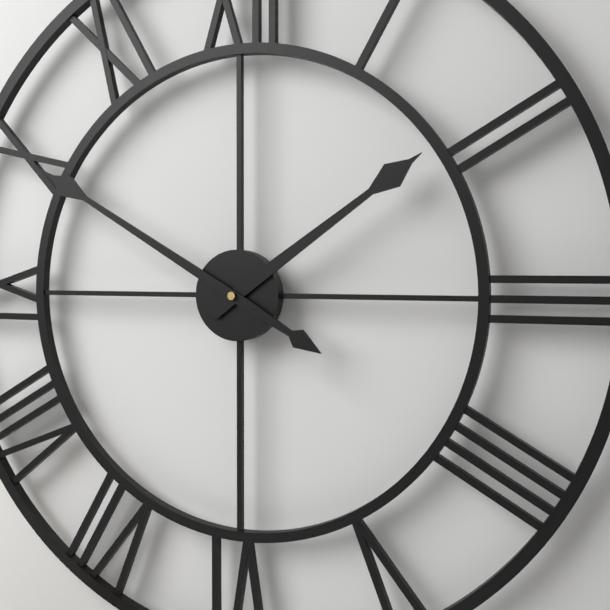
{"hour": 1, "minute": 50}
